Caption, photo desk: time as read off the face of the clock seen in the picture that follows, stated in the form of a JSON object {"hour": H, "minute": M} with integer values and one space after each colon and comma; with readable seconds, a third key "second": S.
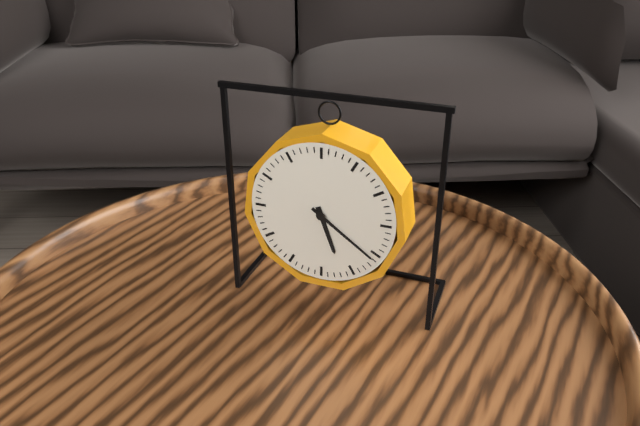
{"hour": 5, "minute": 21}
